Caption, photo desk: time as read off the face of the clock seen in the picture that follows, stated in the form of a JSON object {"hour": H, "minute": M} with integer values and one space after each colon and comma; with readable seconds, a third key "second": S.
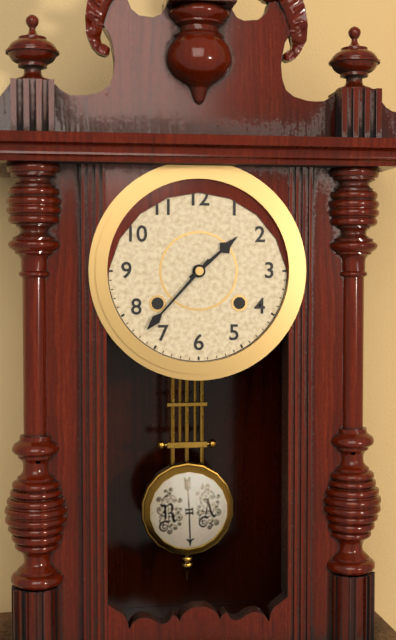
{"hour": 1, "minute": 37}
